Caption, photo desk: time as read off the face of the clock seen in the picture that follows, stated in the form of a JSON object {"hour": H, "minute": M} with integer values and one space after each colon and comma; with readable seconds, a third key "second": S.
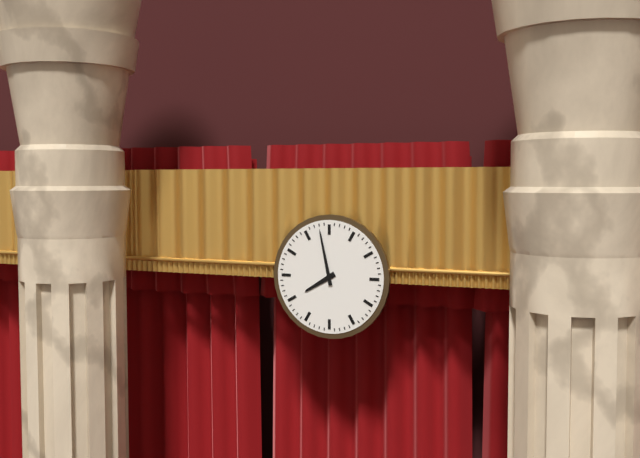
{"hour": 7, "minute": 58}
